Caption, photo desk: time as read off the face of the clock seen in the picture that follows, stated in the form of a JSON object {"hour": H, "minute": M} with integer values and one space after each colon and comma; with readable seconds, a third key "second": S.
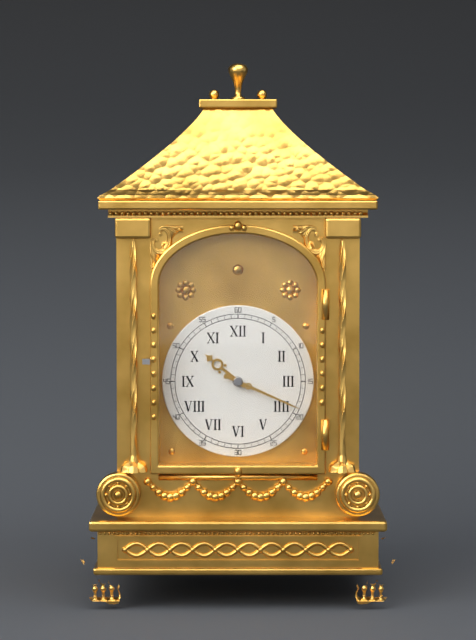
{"hour": 10, "minute": 19}
